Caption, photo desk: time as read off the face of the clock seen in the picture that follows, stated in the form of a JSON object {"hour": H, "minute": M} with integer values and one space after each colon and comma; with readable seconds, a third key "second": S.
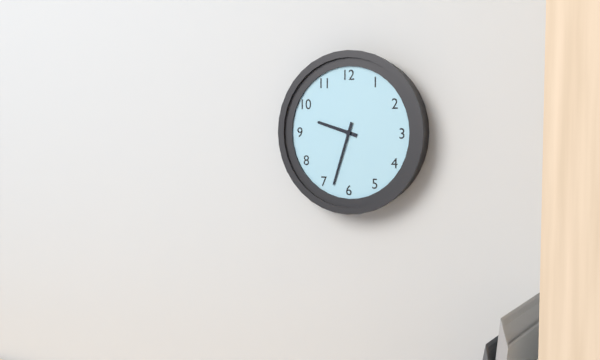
{"hour": 9, "minute": 33}
